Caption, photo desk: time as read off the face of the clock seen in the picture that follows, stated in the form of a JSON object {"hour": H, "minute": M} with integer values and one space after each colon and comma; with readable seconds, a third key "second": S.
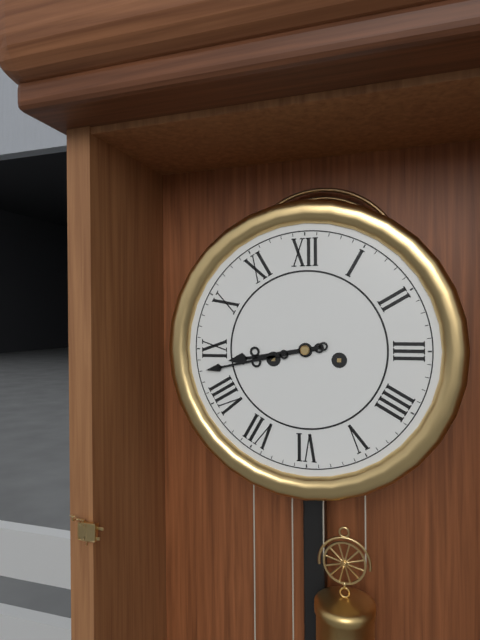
{"hour": 8, "minute": 43}
